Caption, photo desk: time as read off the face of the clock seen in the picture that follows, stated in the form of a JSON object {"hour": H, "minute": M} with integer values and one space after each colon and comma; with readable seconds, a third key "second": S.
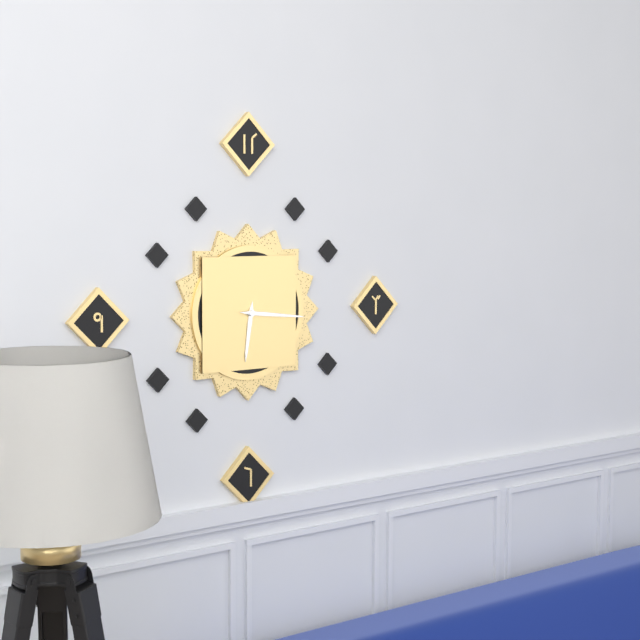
{"hour": 6, "minute": 16}
